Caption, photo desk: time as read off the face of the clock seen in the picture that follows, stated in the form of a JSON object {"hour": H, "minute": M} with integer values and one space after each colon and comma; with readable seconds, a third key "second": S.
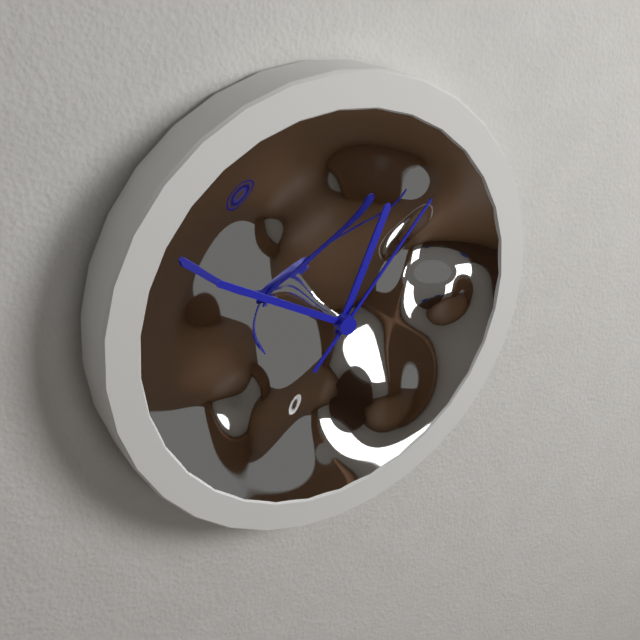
{"hour": 12, "minute": 50, "second": 7}
